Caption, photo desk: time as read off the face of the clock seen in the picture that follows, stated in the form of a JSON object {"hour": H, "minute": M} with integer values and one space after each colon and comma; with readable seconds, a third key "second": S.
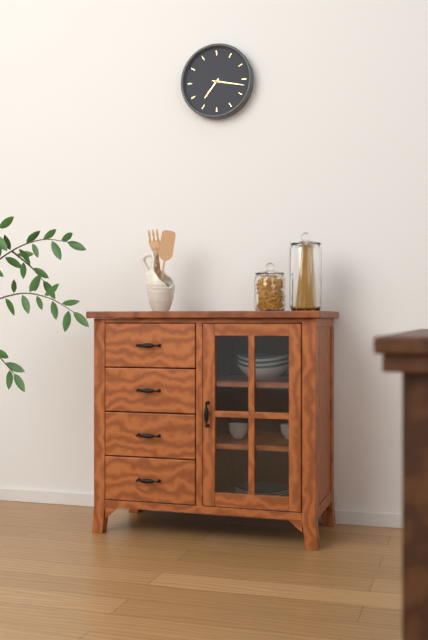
{"hour": 7, "minute": 17}
